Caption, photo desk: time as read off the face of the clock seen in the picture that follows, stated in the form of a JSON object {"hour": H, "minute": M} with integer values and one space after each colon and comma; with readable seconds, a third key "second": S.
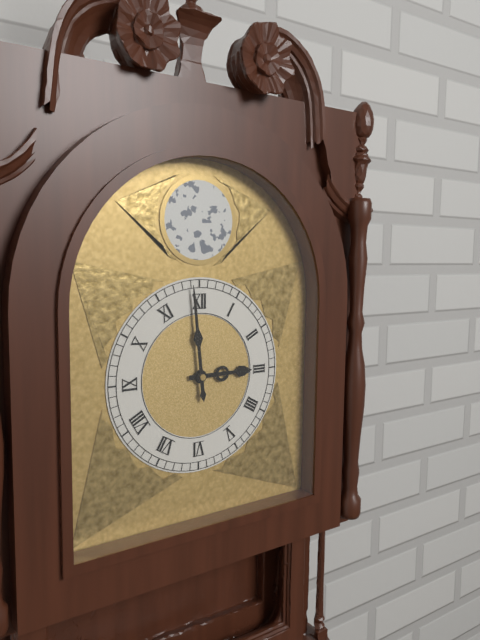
{"hour": 2, "minute": 59}
